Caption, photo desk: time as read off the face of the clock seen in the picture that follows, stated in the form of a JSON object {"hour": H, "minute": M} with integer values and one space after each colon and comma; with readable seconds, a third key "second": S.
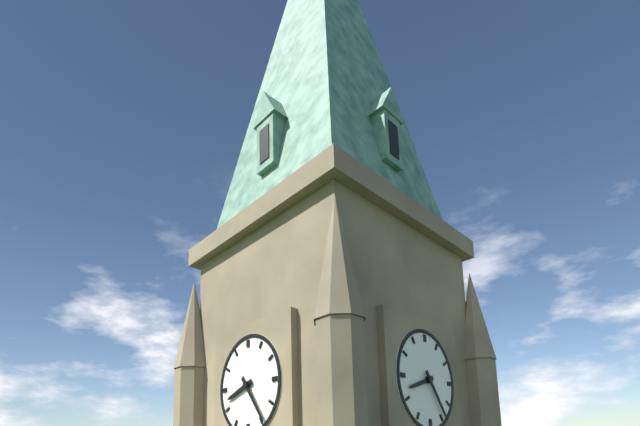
{"hour": 8, "minute": 24}
